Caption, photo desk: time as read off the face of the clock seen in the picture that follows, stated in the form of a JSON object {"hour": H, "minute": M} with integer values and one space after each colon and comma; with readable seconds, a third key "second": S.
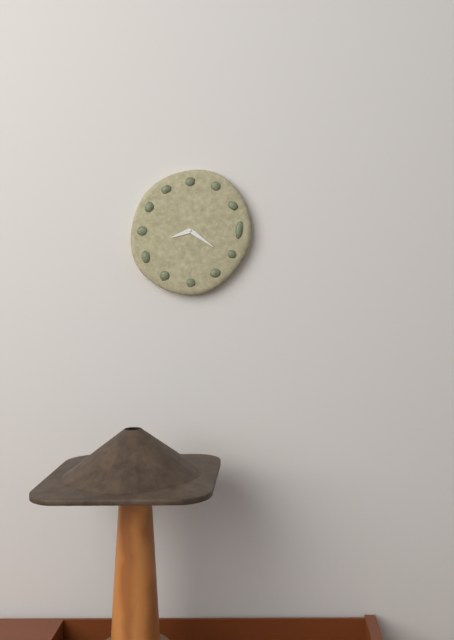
{"hour": 8, "minute": 21}
